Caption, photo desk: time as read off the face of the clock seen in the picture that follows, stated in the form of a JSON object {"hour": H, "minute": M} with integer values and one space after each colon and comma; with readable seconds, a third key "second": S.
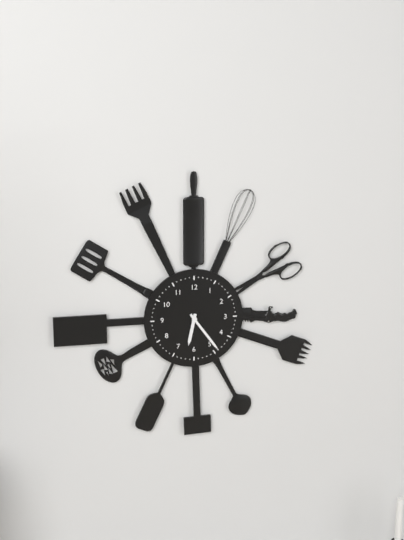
{"hour": 6, "minute": 24}
